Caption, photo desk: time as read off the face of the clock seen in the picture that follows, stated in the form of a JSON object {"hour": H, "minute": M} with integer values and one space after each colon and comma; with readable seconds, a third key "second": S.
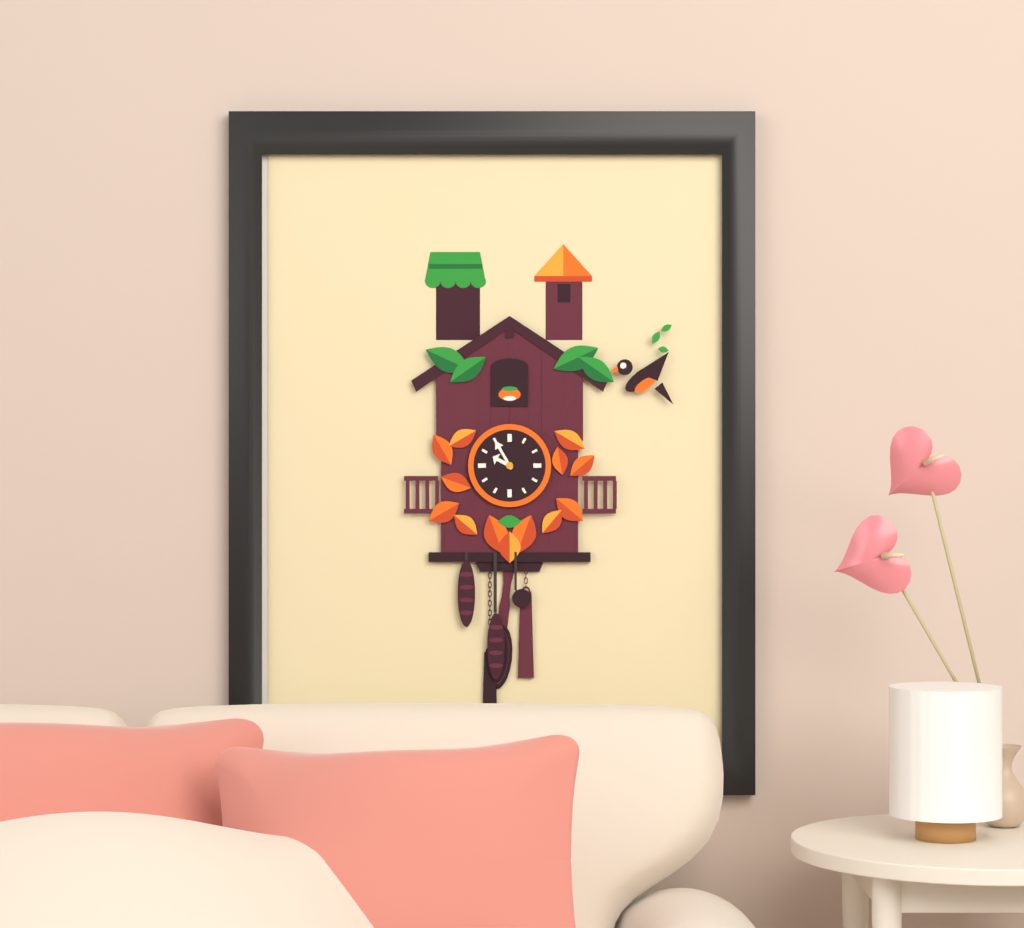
{"hour": 9, "minute": 55}
